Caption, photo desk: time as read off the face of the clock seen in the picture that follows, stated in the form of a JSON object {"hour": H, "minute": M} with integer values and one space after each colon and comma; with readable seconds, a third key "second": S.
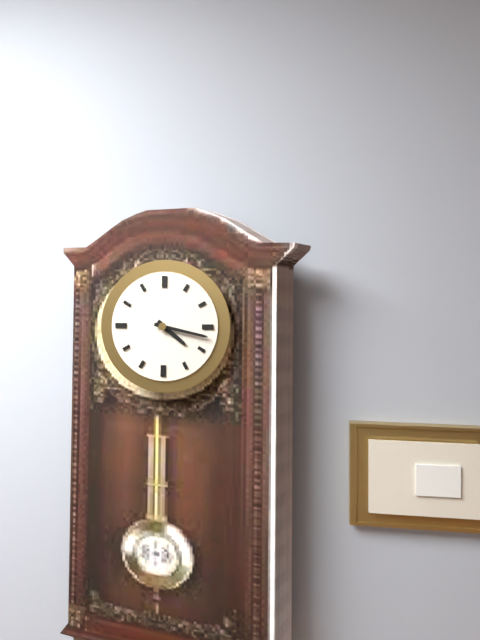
{"hour": 4, "minute": 17}
